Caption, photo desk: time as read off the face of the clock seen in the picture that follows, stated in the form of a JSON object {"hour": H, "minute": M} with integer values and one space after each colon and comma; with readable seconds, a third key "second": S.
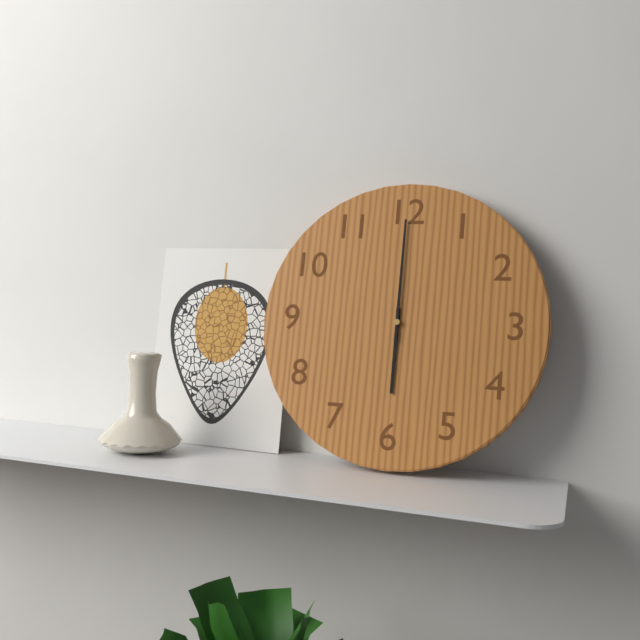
{"hour": 6, "minute": 0}
